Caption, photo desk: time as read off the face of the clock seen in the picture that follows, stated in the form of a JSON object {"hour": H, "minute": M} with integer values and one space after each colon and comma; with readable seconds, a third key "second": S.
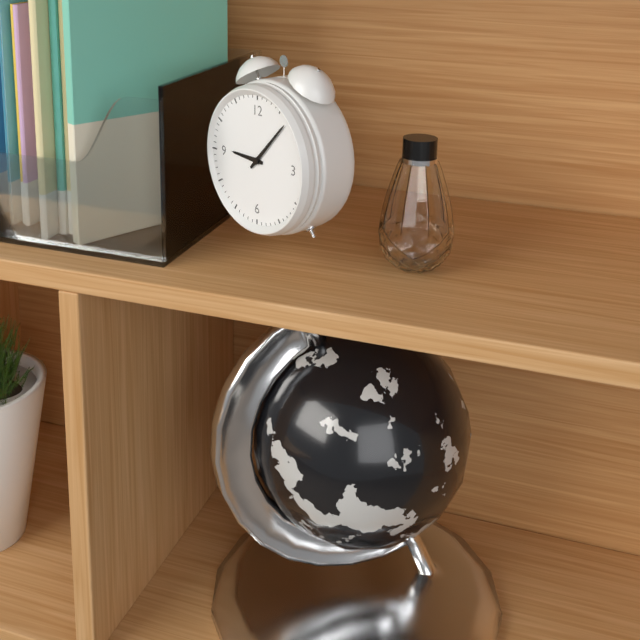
{"hour": 9, "minute": 7}
